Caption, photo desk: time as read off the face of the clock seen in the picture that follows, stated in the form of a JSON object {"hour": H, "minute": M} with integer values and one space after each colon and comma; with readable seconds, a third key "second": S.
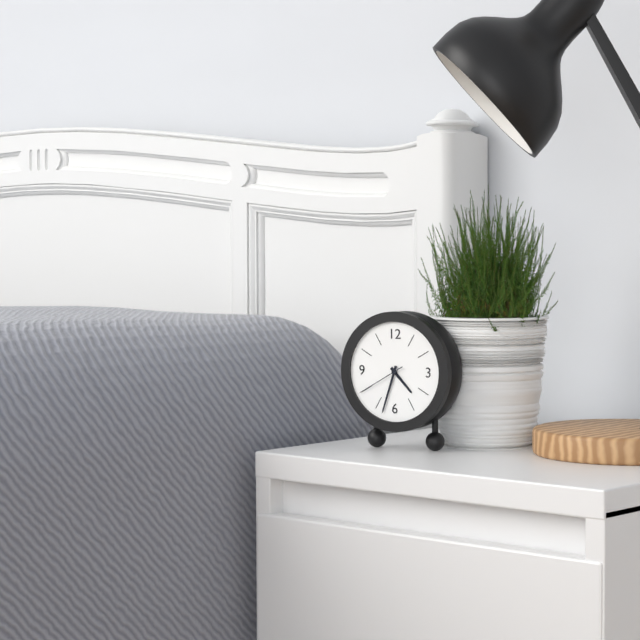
{"hour": 4, "minute": 33, "second": 40}
